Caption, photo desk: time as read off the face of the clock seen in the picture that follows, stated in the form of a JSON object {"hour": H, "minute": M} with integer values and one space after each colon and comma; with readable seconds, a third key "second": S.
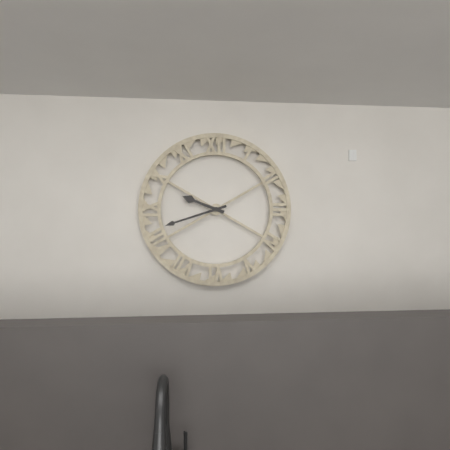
{"hour": 9, "minute": 42}
